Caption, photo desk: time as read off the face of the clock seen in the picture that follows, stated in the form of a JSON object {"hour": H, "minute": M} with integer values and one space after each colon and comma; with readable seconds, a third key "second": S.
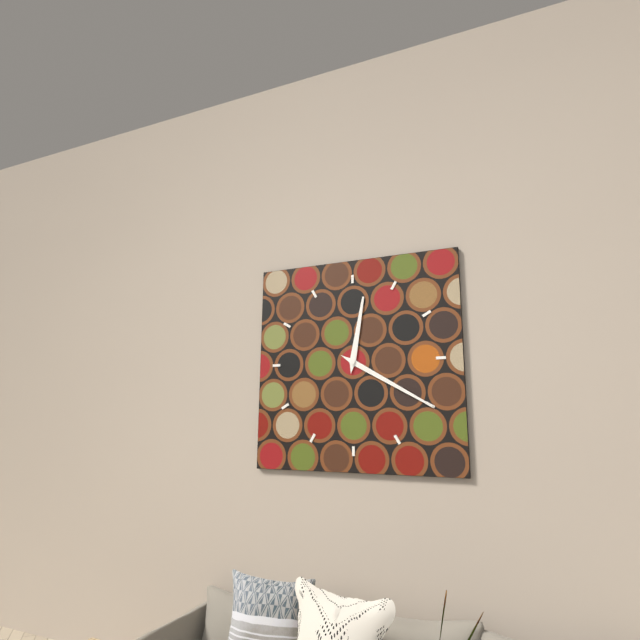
{"hour": 12, "minute": 20}
